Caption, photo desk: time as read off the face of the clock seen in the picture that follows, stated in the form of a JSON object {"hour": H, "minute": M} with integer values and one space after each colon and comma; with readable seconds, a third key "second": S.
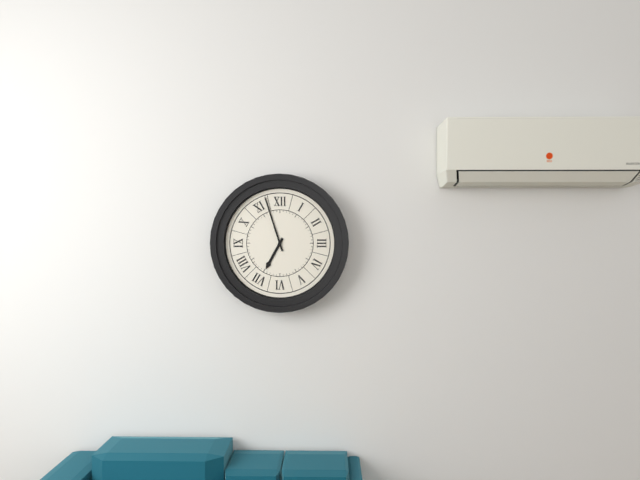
{"hour": 6, "minute": 57}
